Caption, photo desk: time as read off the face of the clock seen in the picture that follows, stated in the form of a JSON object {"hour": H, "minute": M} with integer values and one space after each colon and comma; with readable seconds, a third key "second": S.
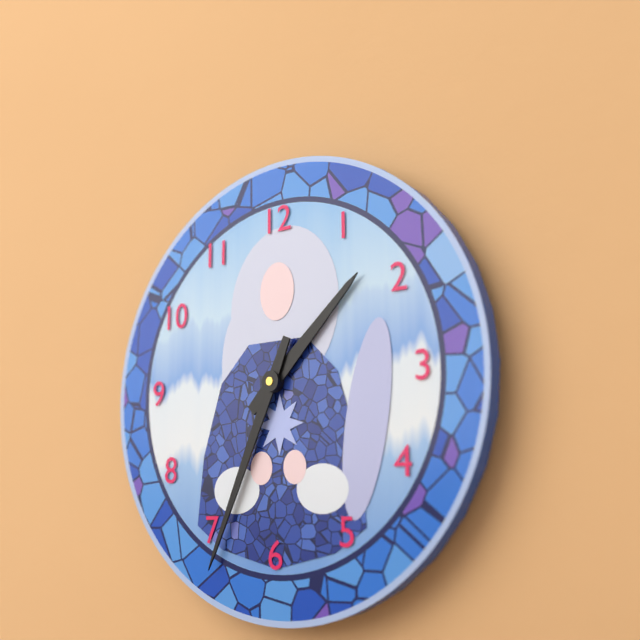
{"hour": 1, "minute": 34}
